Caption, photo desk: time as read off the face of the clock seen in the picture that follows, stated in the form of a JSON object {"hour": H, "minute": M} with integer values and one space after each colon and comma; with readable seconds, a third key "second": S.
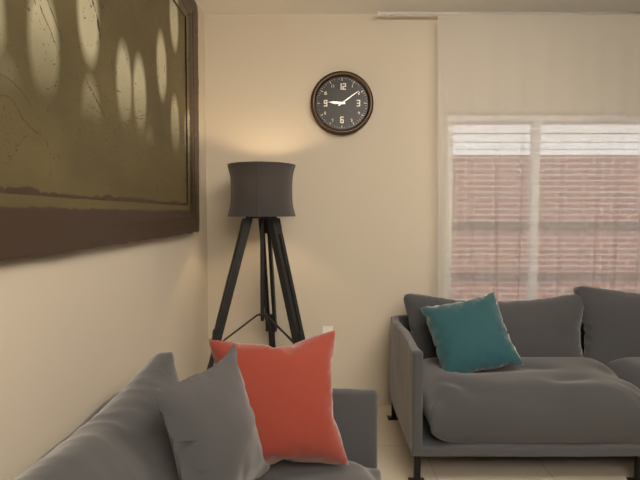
{"hour": 9, "minute": 9}
